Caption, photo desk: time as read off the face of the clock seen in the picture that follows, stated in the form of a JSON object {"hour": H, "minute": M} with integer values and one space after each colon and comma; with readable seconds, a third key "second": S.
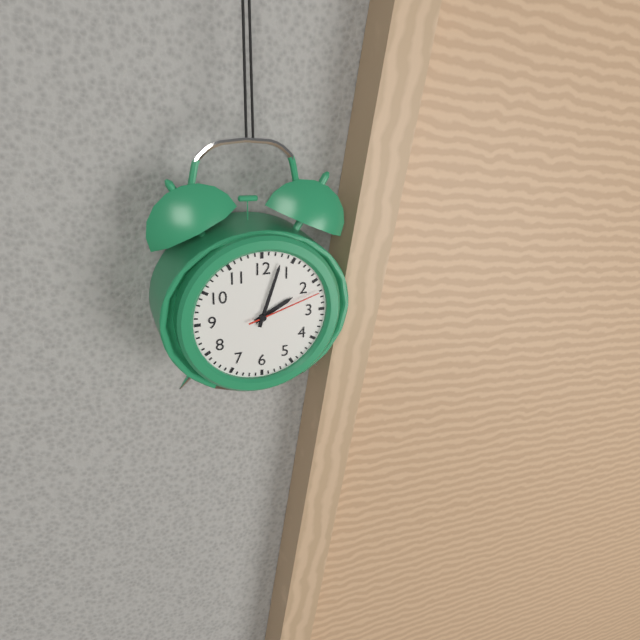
{"hour": 2, "minute": 3, "second": 12}
